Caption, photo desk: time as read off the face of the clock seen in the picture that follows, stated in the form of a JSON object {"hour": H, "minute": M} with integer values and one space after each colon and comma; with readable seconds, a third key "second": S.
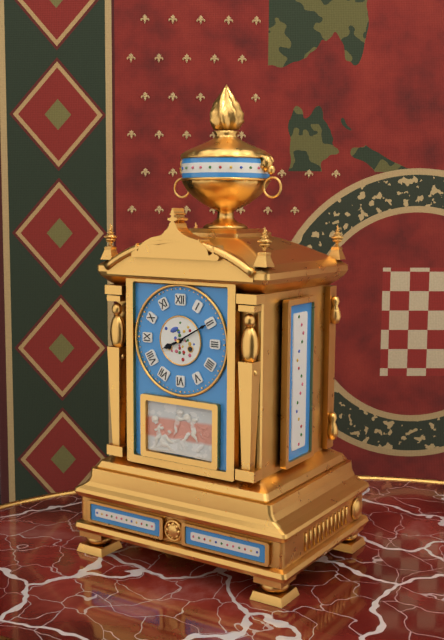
{"hour": 8, "minute": 10}
